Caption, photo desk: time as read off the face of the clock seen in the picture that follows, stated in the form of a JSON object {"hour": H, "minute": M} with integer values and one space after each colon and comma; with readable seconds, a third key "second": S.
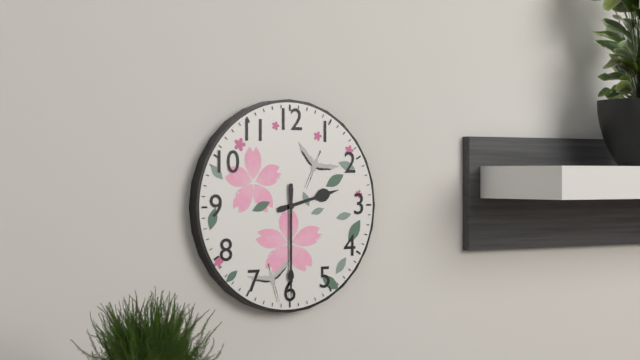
{"hour": 2, "minute": 30}
